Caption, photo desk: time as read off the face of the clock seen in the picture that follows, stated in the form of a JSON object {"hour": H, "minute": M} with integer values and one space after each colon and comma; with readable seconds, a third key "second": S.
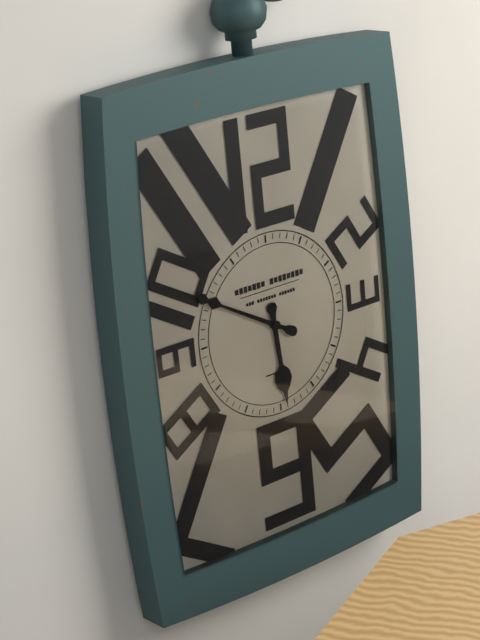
{"hour": 5, "minute": 50}
